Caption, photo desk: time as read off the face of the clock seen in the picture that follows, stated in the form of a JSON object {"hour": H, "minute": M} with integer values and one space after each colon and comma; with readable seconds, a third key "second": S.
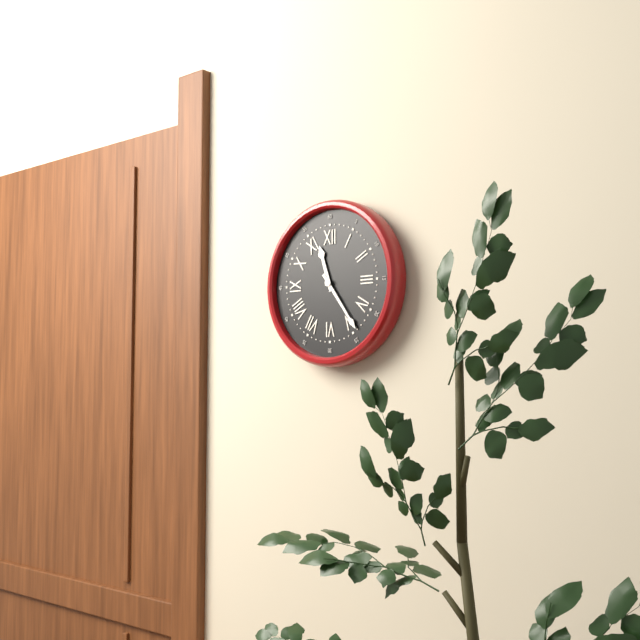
{"hour": 11, "minute": 24}
